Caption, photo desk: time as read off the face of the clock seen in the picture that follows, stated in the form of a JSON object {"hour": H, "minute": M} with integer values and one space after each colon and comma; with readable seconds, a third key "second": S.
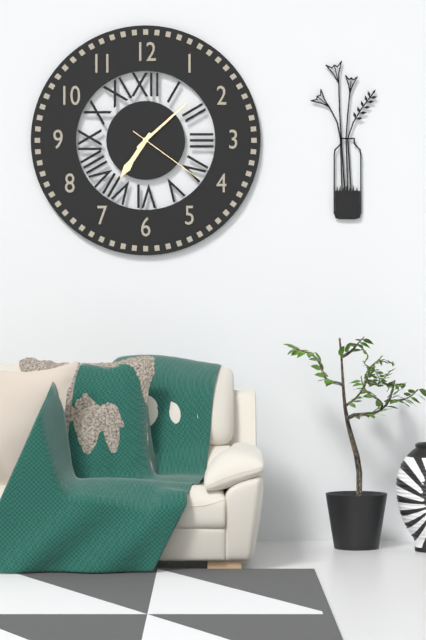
{"hour": 7, "minute": 8, "second": 21}
